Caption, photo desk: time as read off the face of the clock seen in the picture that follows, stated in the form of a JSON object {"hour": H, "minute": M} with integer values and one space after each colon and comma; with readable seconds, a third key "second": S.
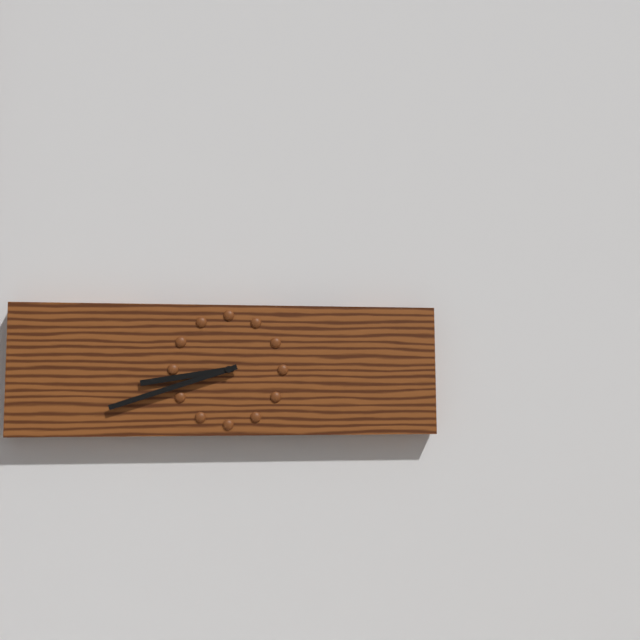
{"hour": 8, "minute": 42}
